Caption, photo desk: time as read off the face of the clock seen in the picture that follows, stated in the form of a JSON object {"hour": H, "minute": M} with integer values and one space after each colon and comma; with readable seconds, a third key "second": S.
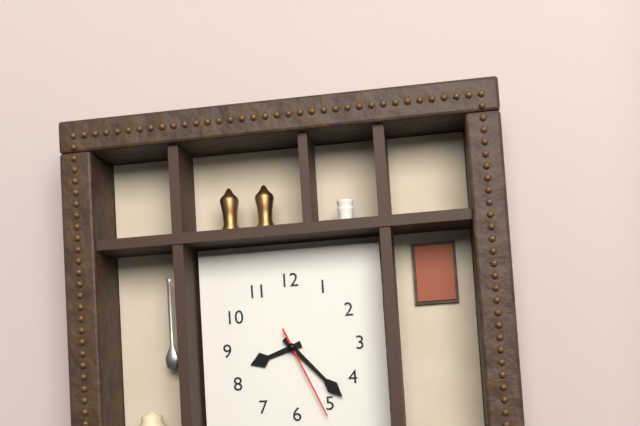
{"hour": 8, "minute": 23, "second": 26}
